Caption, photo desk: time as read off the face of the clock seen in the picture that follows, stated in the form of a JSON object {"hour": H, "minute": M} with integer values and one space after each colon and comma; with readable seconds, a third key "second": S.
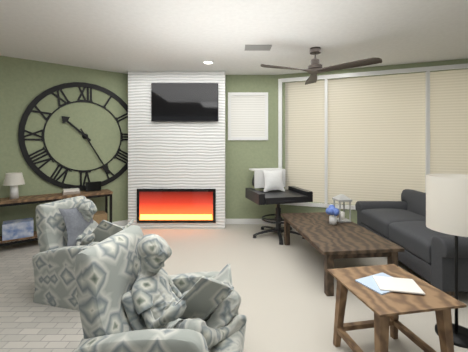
{"hour": 10, "minute": 25}
